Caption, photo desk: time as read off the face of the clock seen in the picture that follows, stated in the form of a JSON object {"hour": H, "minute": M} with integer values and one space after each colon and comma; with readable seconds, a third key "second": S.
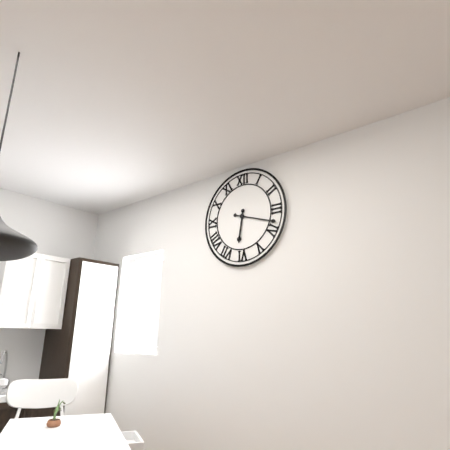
{"hour": 6, "minute": 18}
